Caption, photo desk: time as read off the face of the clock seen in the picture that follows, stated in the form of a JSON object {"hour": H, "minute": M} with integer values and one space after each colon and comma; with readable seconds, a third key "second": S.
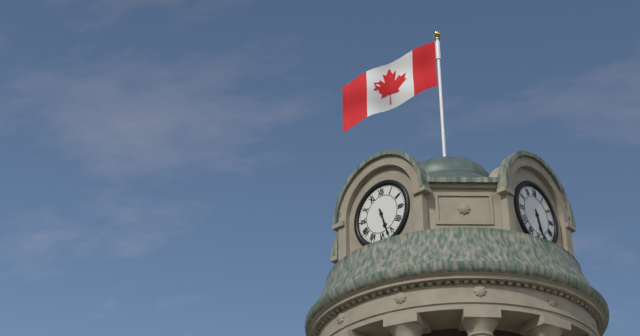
{"hour": 5, "minute": 27}
